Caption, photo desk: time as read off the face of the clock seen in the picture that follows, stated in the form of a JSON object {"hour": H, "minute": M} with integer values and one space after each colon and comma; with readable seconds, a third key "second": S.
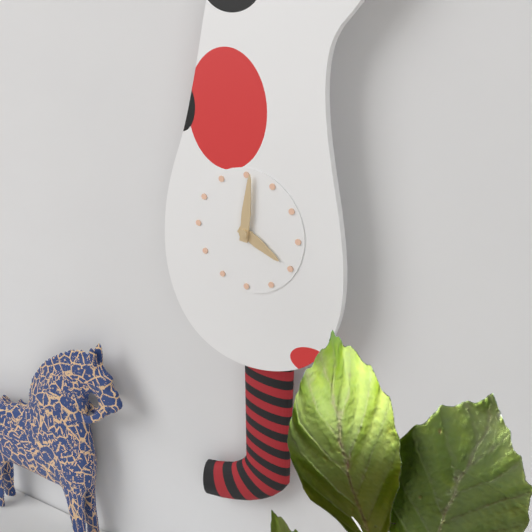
{"hour": 4, "minute": 1}
